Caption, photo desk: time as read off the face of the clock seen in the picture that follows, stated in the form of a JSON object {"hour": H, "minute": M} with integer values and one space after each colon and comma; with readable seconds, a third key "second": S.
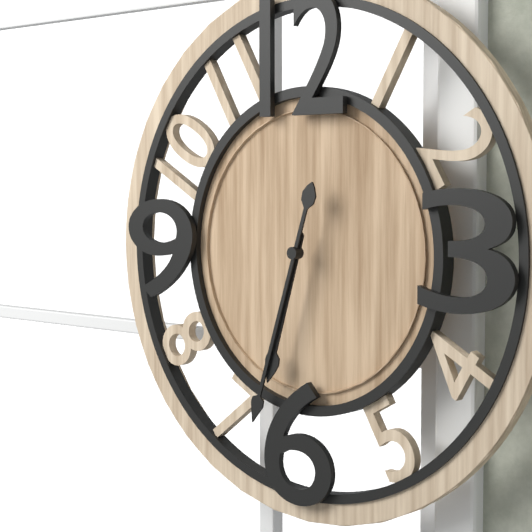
{"hour": 6, "minute": 33}
